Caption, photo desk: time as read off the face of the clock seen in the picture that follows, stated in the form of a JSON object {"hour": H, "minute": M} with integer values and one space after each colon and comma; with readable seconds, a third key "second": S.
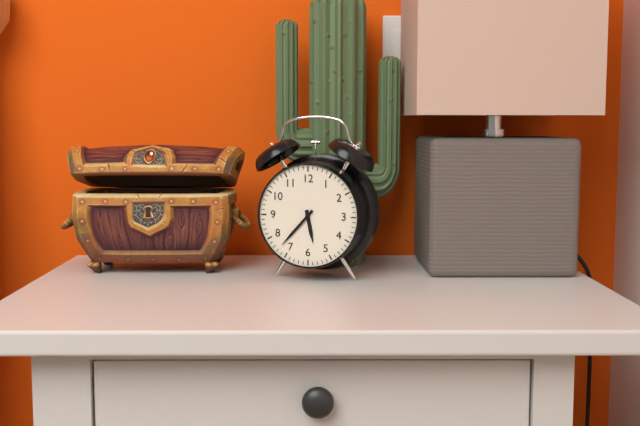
{"hour": 5, "minute": 37}
